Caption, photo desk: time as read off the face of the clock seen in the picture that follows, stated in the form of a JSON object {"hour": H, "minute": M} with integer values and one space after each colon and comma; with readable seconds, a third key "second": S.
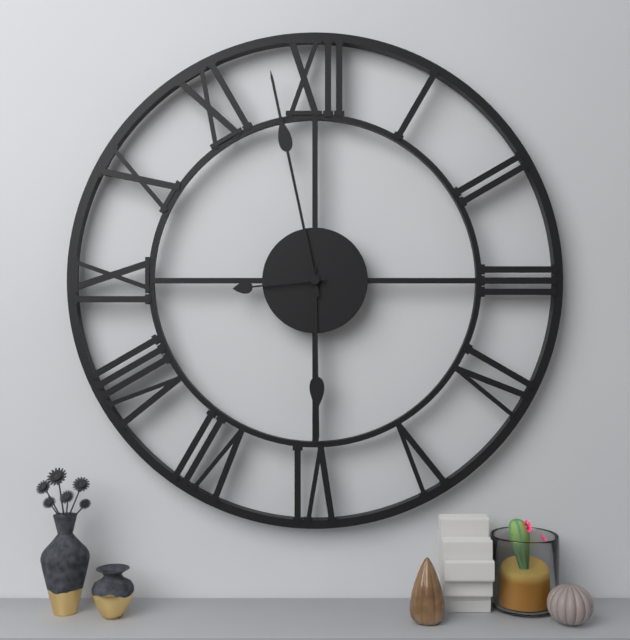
{"hour": 5, "minute": 58, "second": 44}
